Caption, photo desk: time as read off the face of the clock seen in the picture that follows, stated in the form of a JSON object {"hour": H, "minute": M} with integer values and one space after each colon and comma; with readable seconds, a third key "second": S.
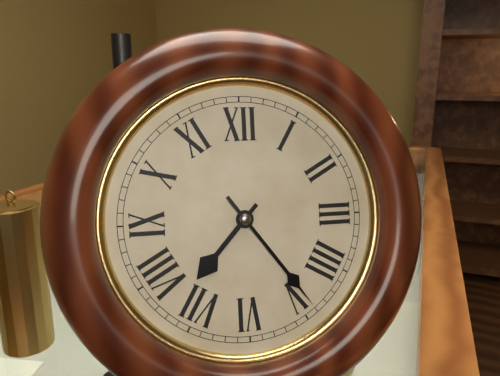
{"hour": 7, "minute": 24}
